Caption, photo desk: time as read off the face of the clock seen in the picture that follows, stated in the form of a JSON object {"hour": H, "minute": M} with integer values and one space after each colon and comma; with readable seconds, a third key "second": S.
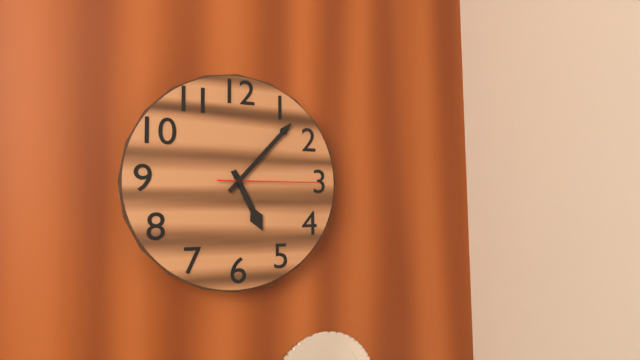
{"hour": 5, "minute": 7, "second": 15}
